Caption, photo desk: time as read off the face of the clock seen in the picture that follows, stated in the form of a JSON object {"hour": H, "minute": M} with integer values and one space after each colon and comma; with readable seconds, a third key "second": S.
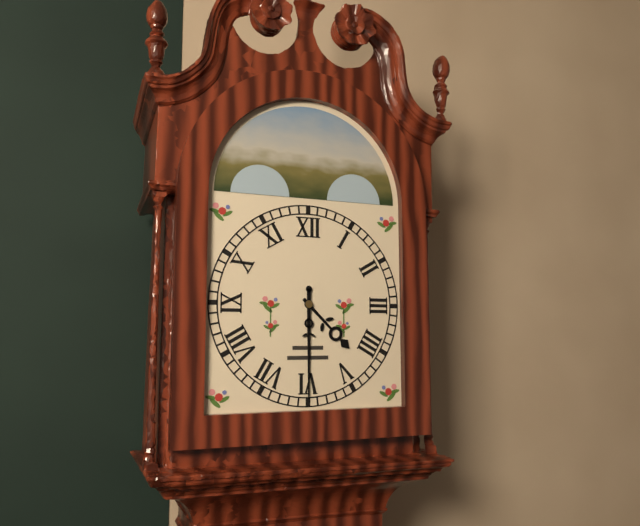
{"hour": 4, "minute": 30}
